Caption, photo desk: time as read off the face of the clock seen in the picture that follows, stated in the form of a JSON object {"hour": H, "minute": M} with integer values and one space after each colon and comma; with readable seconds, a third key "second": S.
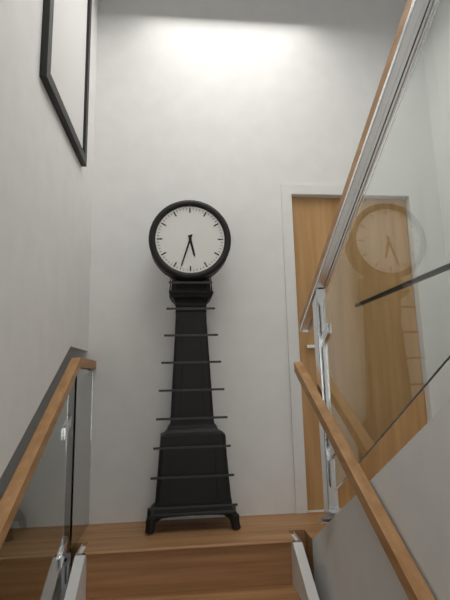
{"hour": 5, "minute": 33}
